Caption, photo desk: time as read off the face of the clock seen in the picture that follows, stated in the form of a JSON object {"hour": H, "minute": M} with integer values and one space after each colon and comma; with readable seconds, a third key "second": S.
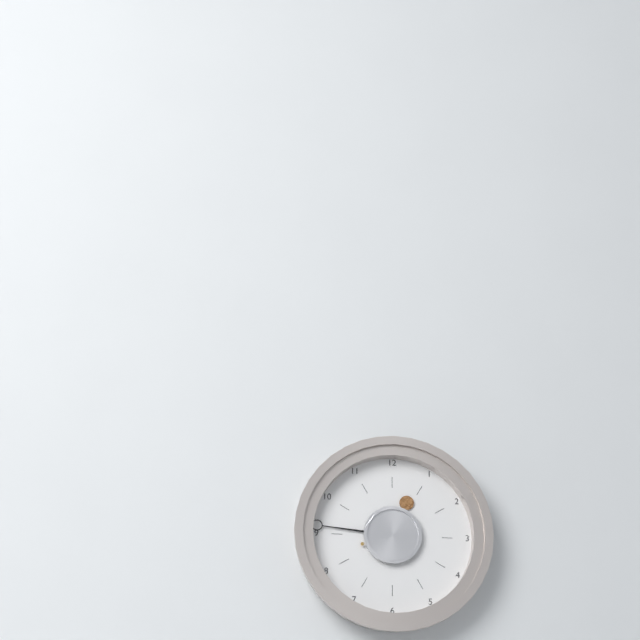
{"hour": 12, "minute": 46}
